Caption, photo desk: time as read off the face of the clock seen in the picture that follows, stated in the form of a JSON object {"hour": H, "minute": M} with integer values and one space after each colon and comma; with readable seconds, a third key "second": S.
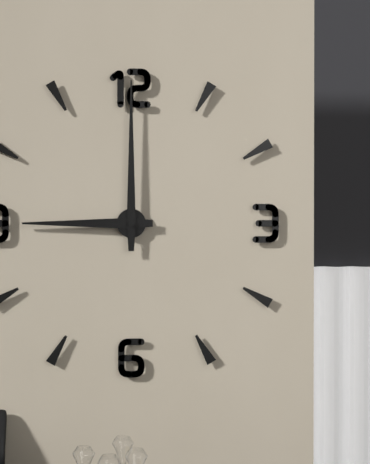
{"hour": 9, "minute": 0}
